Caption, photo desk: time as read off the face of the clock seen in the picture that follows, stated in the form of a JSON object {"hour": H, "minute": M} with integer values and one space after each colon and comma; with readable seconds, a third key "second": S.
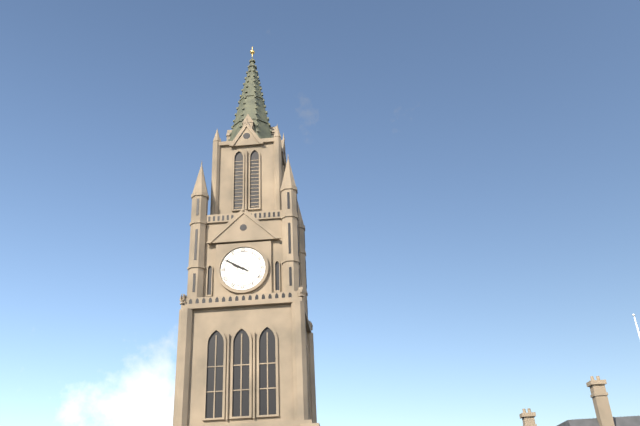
{"hour": 9, "minute": 50}
